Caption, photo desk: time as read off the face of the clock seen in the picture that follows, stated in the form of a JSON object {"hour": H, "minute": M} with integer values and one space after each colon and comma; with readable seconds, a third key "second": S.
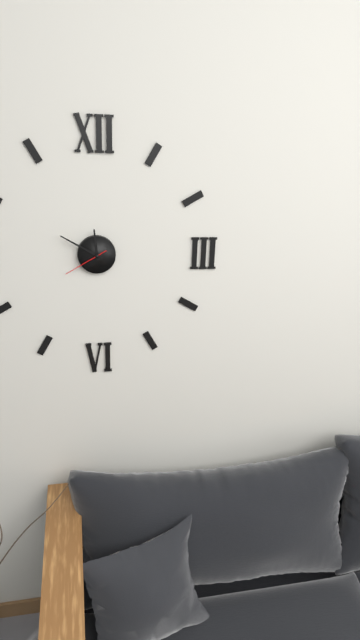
{"hour": 11, "minute": 50}
